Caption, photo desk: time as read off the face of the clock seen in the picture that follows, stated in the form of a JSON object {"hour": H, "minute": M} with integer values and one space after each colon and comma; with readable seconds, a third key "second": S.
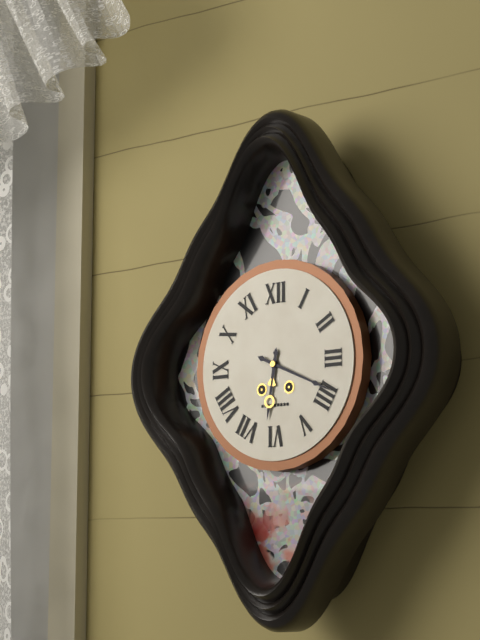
{"hour": 6, "minute": 19}
